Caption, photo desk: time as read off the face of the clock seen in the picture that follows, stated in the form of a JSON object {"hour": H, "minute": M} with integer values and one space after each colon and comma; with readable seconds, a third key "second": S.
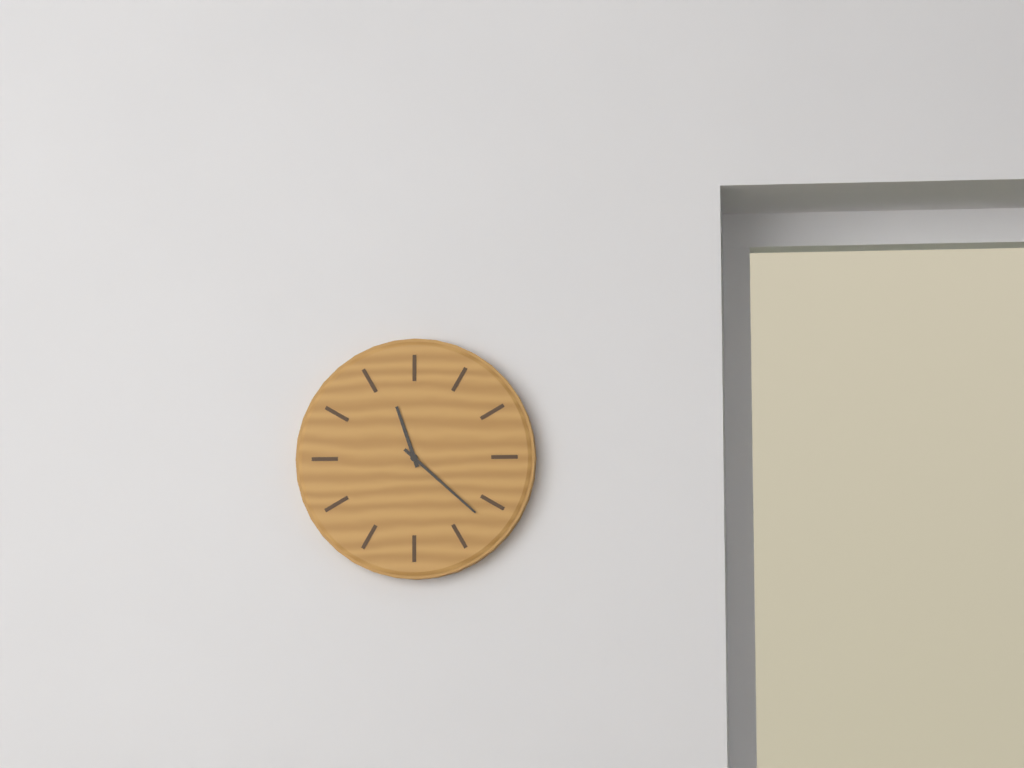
{"hour": 11, "minute": 22}
